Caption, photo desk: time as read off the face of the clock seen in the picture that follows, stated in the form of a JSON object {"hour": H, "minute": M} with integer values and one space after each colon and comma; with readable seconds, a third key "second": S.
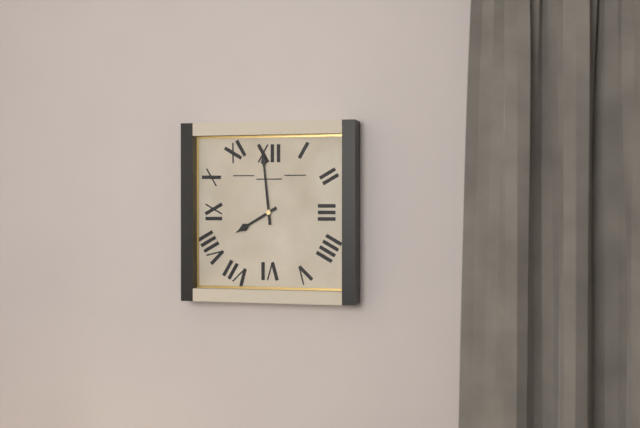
{"hour": 7, "minute": 59}
